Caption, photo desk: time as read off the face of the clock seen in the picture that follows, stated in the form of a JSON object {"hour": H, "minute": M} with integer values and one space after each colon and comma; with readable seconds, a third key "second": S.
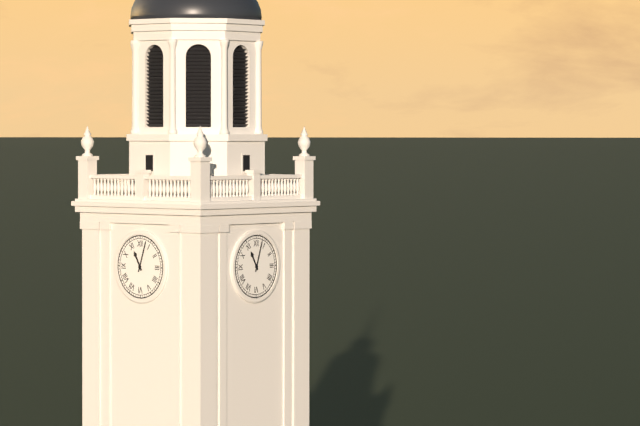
{"hour": 11, "minute": 3}
